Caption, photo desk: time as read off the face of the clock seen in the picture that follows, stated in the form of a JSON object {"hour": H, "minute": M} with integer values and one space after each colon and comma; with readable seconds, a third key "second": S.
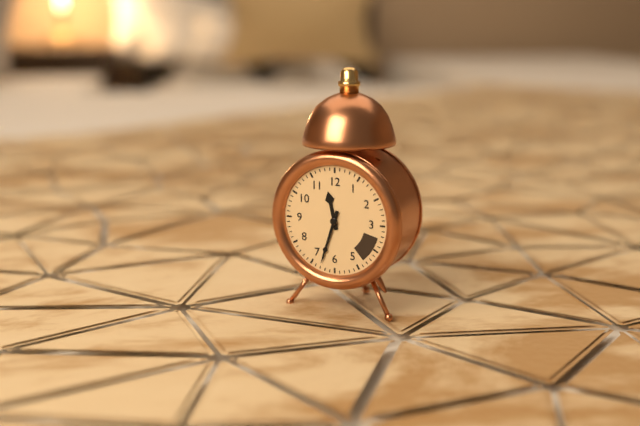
{"hour": 11, "minute": 33}
